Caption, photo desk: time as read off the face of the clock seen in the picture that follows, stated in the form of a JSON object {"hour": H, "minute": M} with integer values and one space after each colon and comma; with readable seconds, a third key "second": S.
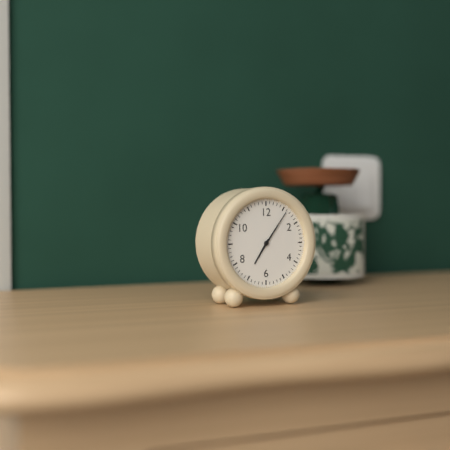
{"hour": 7, "minute": 6}
